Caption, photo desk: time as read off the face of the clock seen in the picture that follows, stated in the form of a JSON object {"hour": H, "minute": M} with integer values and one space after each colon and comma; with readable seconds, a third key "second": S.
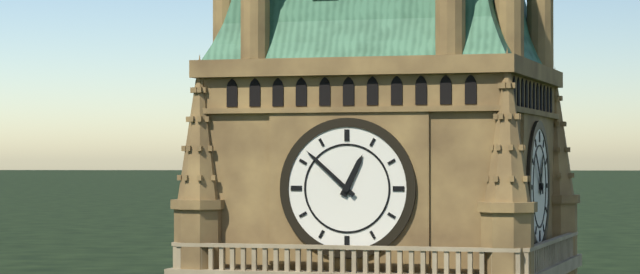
{"hour": 12, "minute": 52}
